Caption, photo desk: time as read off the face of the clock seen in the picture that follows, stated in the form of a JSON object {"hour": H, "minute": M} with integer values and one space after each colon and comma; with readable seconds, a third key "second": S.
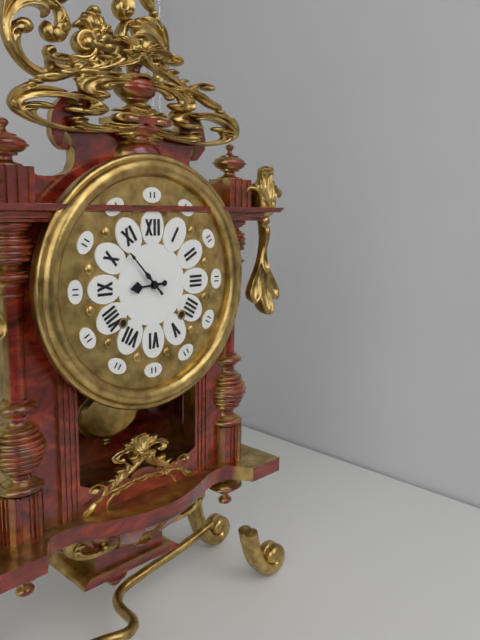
{"hour": 8, "minute": 53}
